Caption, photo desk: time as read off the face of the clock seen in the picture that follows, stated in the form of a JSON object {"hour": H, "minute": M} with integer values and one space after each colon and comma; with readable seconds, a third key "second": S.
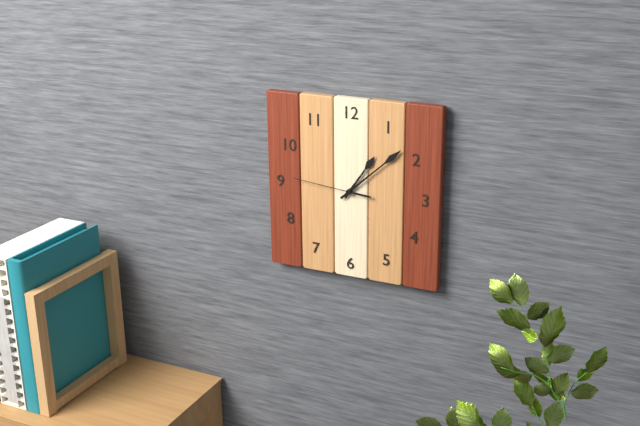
{"hour": 1, "minute": 8, "second": 46}
